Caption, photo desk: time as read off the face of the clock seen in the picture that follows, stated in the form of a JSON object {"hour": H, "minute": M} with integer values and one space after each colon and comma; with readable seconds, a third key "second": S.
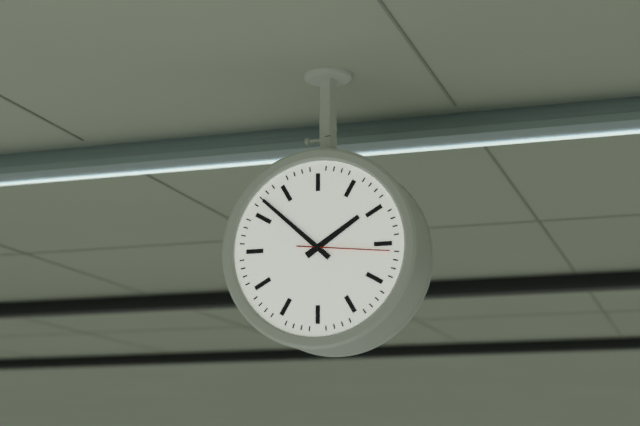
{"hour": 1, "minute": 52, "second": 16}
